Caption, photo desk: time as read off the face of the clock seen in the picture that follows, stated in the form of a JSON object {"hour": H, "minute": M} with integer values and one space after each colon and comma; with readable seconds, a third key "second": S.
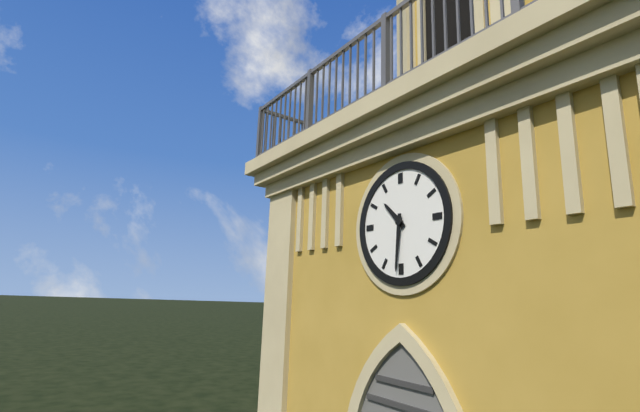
{"hour": 10, "minute": 31}
